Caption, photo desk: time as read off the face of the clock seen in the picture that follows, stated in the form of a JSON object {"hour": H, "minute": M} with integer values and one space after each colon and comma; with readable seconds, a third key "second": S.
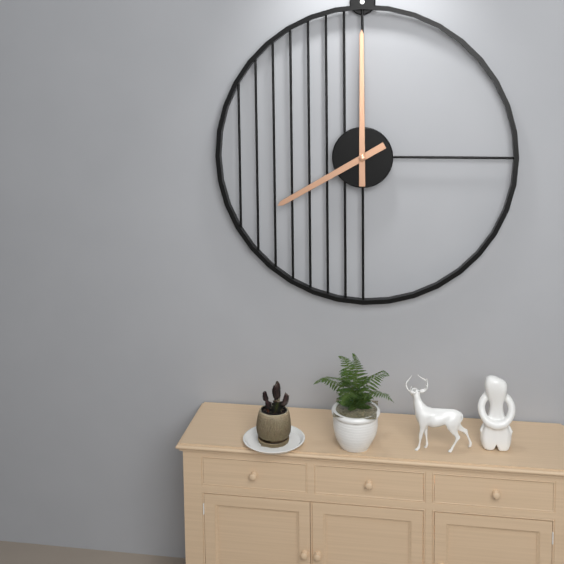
{"hour": 8, "minute": 0}
